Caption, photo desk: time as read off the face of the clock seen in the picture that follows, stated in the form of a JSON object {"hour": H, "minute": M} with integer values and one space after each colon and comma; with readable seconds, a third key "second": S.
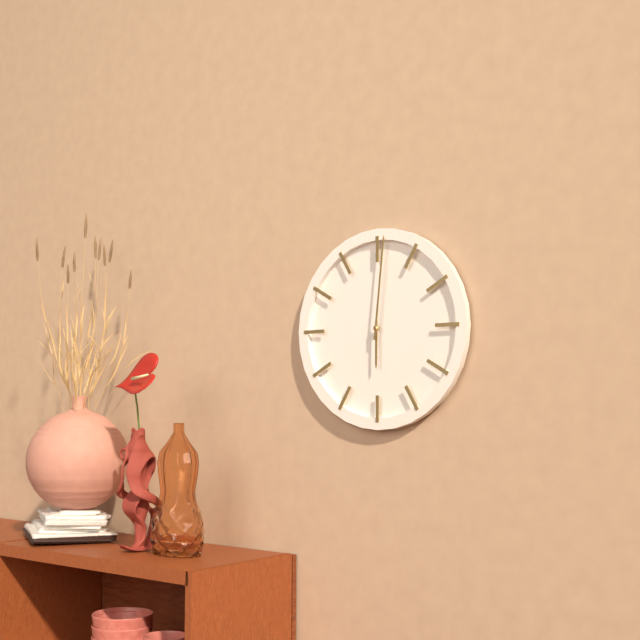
{"hour": 6, "minute": 1}
